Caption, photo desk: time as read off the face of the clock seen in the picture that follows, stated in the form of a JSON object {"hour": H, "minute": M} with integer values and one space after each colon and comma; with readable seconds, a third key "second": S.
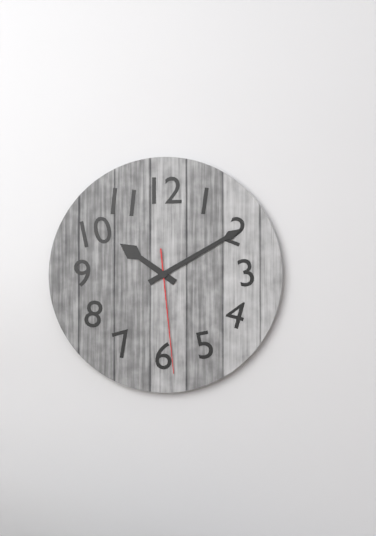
{"hour": 10, "minute": 10, "second": 29}
